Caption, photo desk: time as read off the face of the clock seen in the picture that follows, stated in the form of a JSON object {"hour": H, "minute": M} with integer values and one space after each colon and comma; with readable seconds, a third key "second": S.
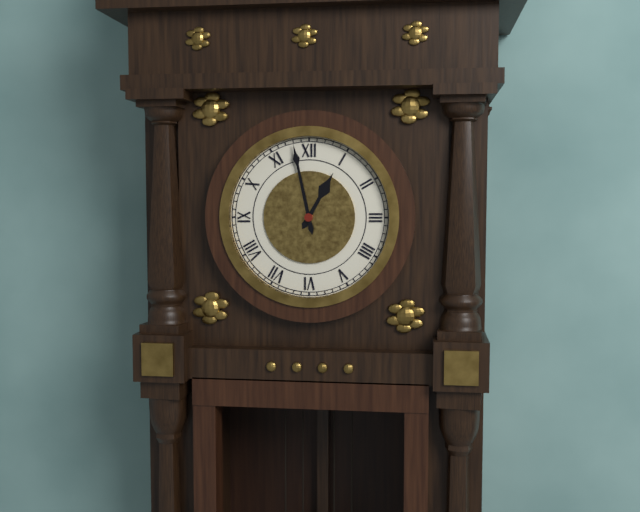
{"hour": 12, "minute": 58}
